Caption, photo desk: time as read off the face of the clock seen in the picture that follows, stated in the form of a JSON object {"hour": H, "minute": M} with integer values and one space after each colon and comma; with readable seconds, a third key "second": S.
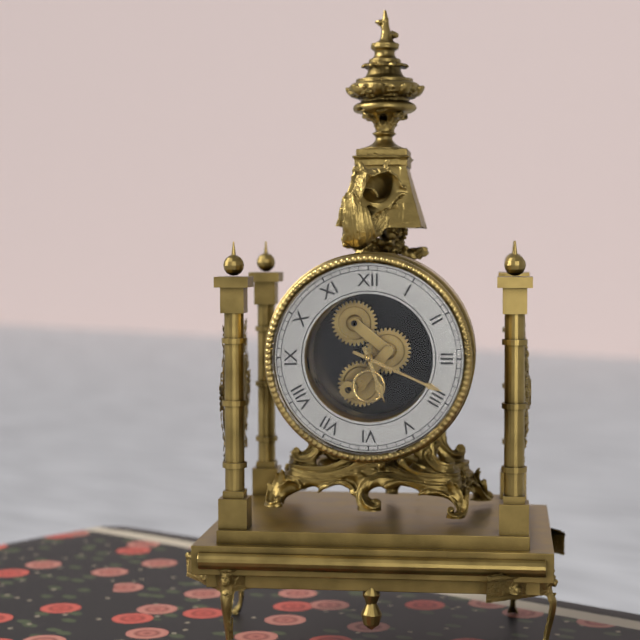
{"hour": 5, "minute": 19}
